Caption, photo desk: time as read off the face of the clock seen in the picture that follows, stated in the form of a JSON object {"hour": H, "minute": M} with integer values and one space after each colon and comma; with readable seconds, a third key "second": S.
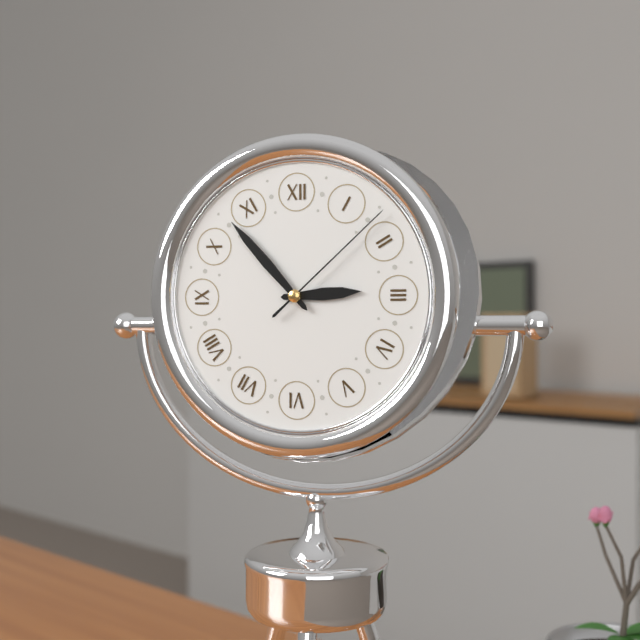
{"hour": 2, "minute": 53, "second": 8}
